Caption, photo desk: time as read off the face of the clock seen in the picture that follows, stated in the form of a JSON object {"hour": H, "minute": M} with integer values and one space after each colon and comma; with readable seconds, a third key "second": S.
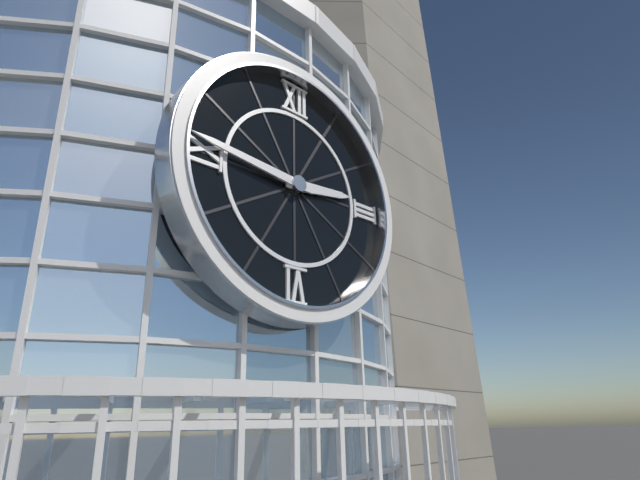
{"hour": 2, "minute": 46}
